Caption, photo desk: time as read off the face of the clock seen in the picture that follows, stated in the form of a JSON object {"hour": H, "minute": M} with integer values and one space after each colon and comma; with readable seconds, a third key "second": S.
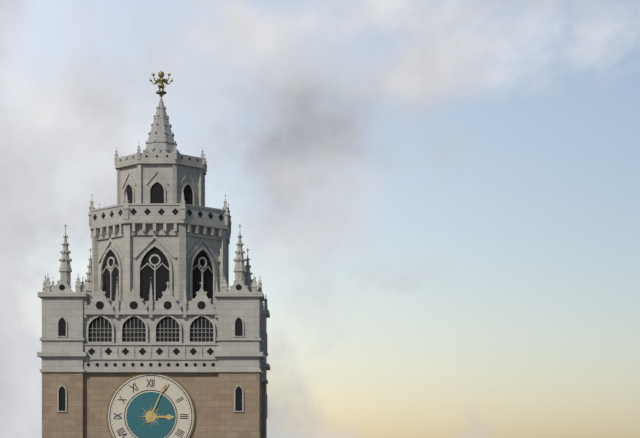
{"hour": 3, "minute": 4}
